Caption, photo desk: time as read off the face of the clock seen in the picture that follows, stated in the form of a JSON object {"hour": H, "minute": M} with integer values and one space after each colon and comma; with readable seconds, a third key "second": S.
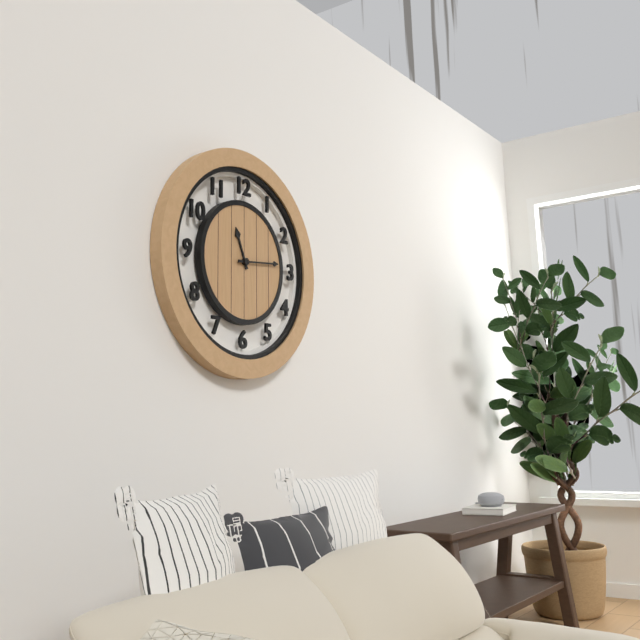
{"hour": 11, "minute": 14}
